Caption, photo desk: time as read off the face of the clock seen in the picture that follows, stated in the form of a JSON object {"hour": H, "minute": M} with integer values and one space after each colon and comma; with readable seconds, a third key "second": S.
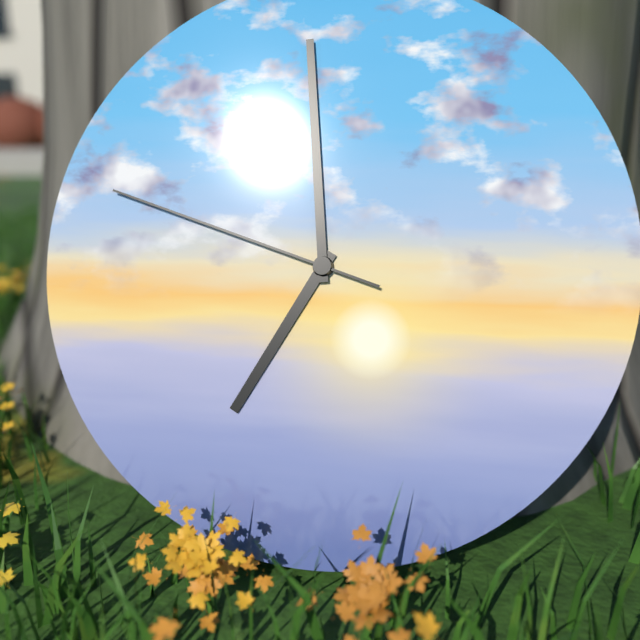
{"hour": 6, "minute": 59, "second": 48}
